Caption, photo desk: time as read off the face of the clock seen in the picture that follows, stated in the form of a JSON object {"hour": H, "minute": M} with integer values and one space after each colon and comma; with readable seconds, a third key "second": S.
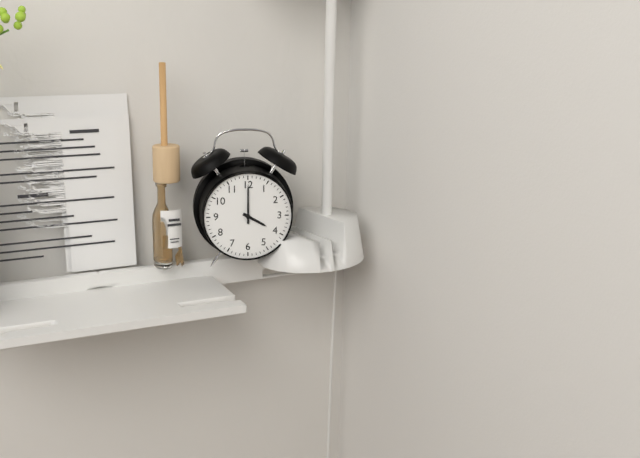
{"hour": 4, "minute": 0}
